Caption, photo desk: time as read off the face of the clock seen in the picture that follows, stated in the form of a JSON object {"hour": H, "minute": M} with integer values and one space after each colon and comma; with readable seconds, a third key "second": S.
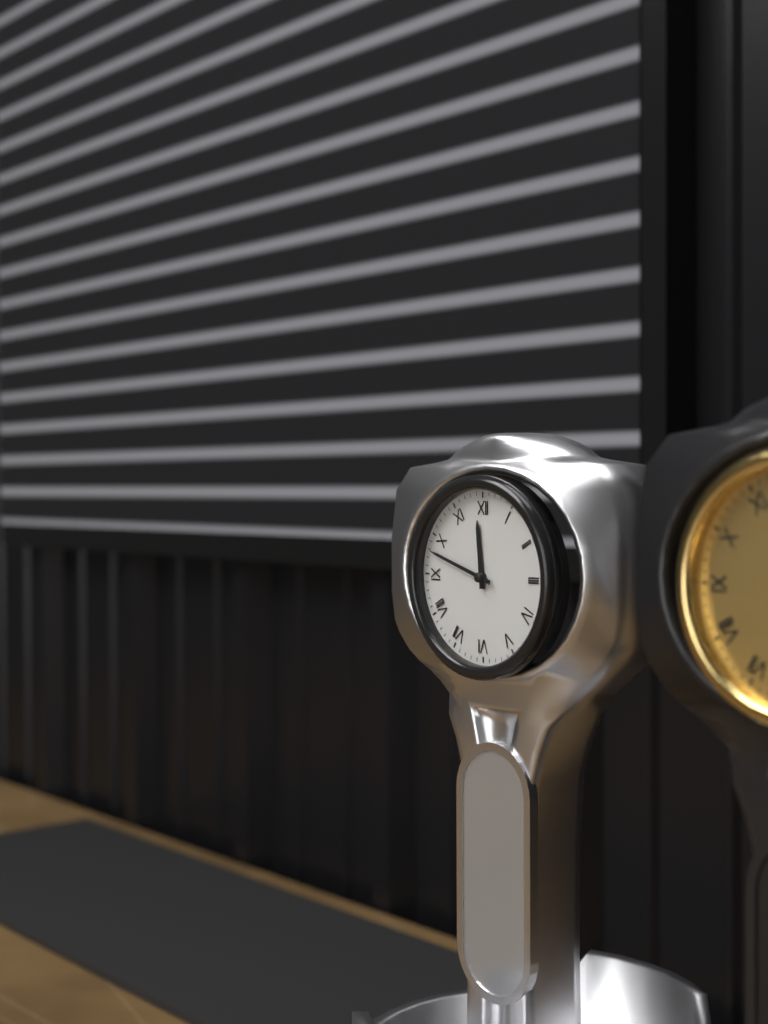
{"hour": 11, "minute": 48}
